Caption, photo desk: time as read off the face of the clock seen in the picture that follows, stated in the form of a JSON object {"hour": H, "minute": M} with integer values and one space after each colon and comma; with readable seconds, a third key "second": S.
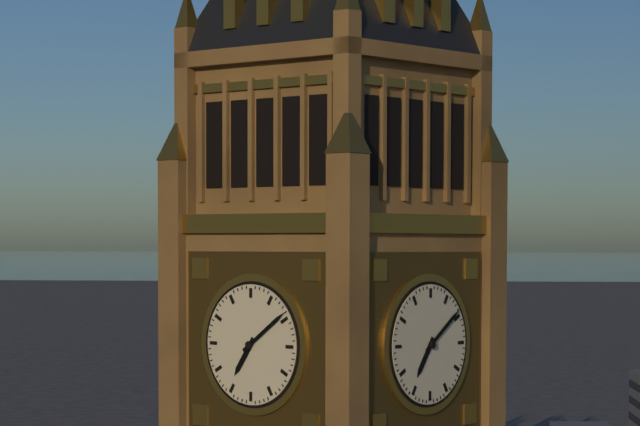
{"hour": 7, "minute": 9}
